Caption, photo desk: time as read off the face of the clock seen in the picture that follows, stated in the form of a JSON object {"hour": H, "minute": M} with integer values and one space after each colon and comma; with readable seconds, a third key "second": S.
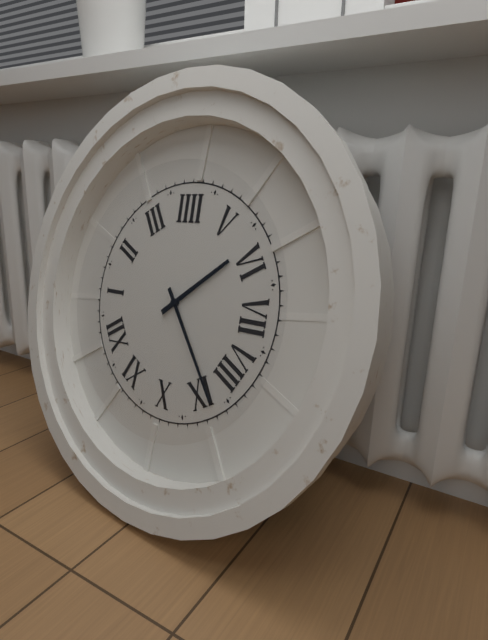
{"hour": 5, "minute": 44}
